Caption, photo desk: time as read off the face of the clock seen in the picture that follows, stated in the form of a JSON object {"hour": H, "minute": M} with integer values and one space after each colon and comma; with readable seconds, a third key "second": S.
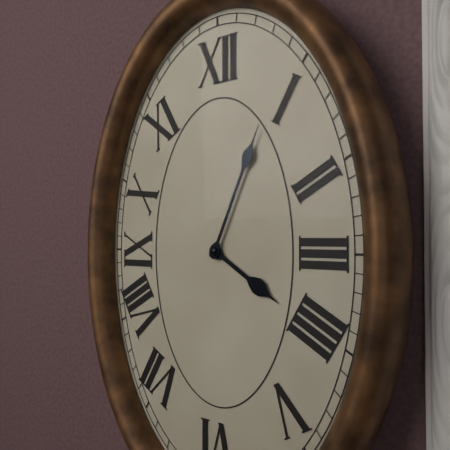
{"hour": 4, "minute": 4}
